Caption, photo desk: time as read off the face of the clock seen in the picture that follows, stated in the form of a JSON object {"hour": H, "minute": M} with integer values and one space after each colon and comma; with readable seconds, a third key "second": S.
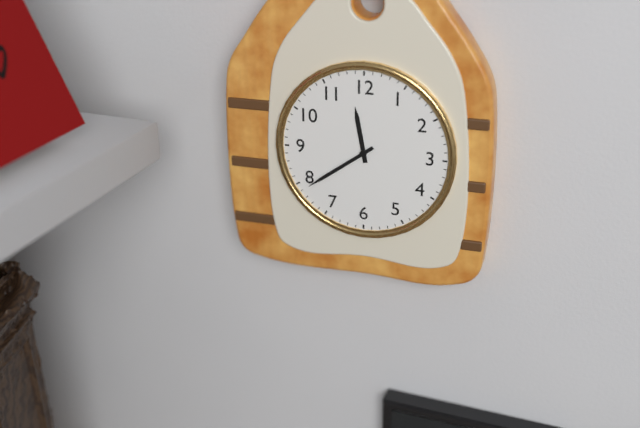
{"hour": 11, "minute": 39}
